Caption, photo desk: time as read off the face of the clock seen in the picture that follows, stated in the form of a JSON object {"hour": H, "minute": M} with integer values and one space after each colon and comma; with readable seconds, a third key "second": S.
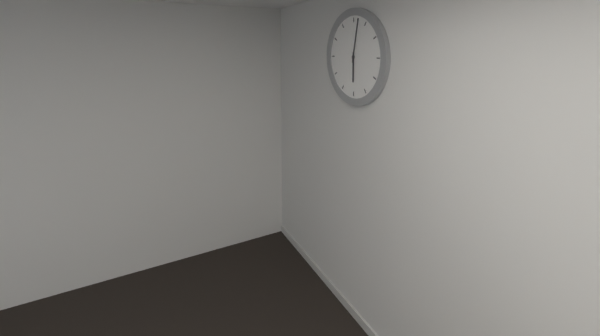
{"hour": 6, "minute": 2}
